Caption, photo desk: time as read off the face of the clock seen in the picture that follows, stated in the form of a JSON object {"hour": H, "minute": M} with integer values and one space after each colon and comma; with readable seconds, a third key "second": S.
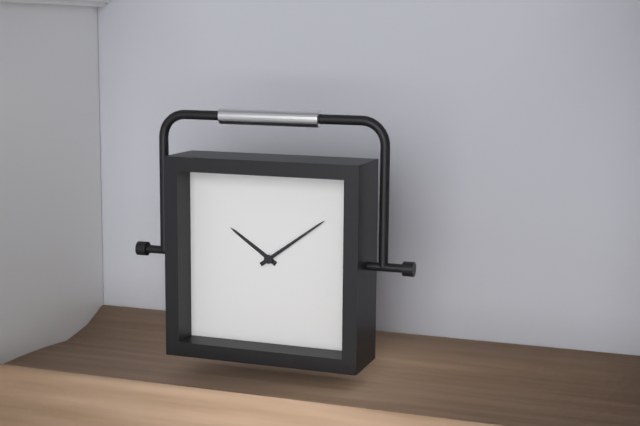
{"hour": 10, "minute": 9}
